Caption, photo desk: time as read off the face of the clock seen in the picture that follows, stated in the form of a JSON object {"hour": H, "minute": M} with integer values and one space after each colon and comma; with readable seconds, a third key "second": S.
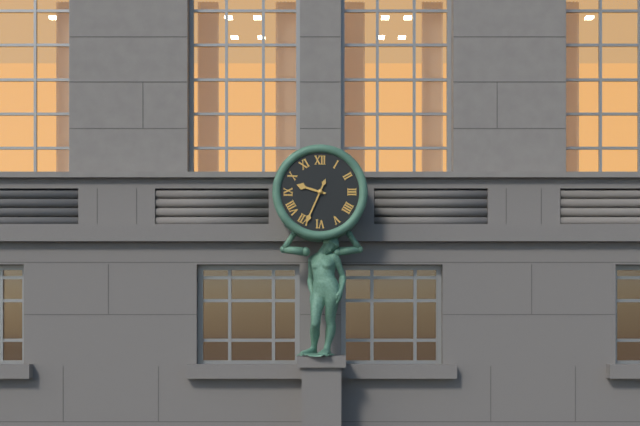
{"hour": 9, "minute": 34}
